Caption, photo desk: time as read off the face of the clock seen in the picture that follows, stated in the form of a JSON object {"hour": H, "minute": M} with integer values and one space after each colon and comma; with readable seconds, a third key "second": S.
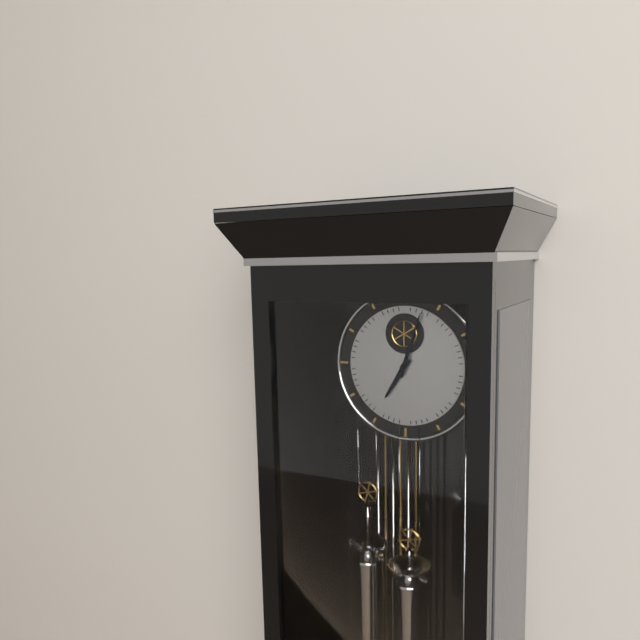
{"hour": 7, "minute": 3}
